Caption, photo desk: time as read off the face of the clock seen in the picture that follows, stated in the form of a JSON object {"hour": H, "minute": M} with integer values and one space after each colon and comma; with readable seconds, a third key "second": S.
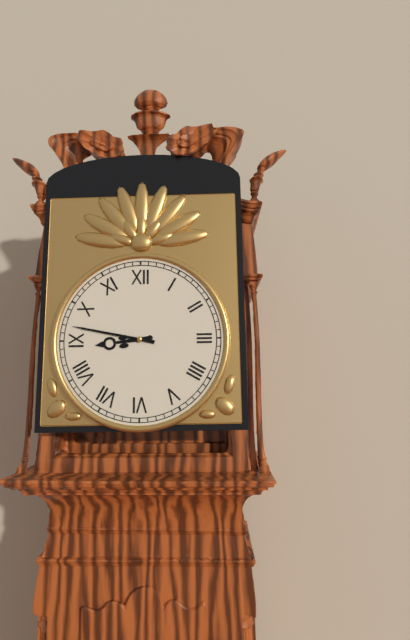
{"hour": 8, "minute": 47}
